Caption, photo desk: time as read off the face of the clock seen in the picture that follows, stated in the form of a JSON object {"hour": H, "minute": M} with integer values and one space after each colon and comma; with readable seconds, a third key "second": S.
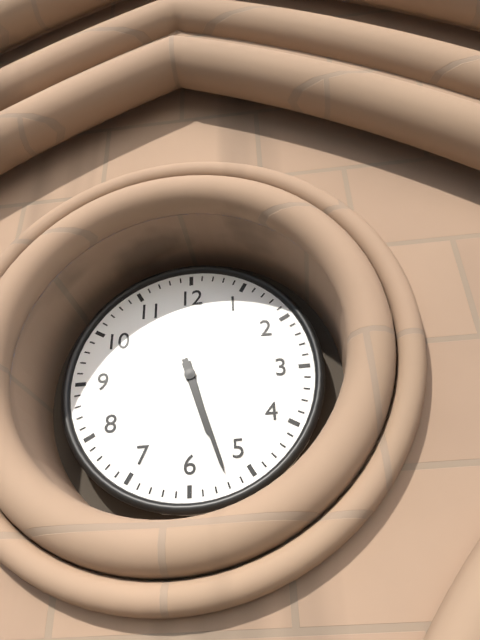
{"hour": 5, "minute": 27}
